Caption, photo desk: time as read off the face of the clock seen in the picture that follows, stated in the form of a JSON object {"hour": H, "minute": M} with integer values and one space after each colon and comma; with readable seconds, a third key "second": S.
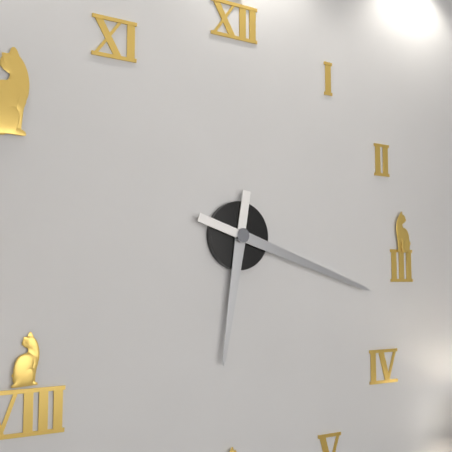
{"hour": 6, "minute": 18}
